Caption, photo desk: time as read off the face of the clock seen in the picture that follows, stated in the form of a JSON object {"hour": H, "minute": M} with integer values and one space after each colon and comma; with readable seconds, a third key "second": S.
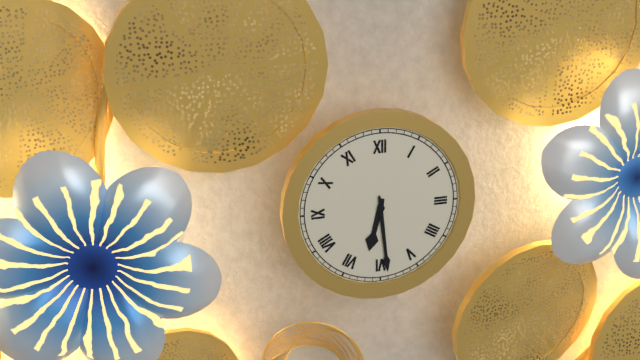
{"hour": 6, "minute": 29}
